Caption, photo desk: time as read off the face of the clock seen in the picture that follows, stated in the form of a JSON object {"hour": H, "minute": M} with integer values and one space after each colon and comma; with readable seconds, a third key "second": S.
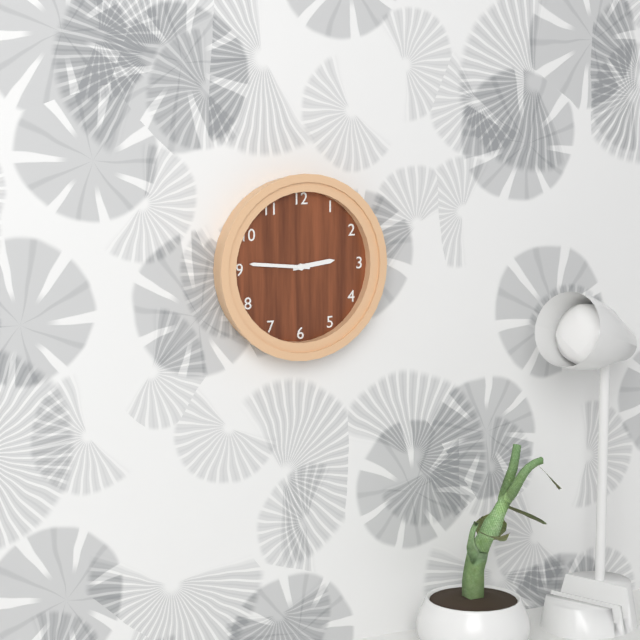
{"hour": 2, "minute": 46}
